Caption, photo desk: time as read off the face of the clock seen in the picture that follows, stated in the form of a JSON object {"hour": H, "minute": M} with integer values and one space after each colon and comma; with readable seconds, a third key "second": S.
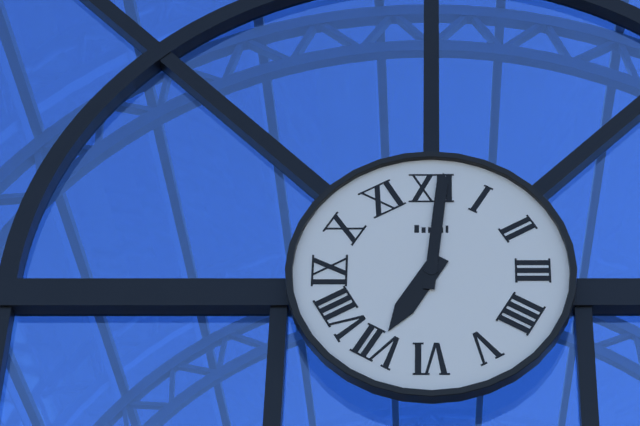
{"hour": 7, "minute": 1}
